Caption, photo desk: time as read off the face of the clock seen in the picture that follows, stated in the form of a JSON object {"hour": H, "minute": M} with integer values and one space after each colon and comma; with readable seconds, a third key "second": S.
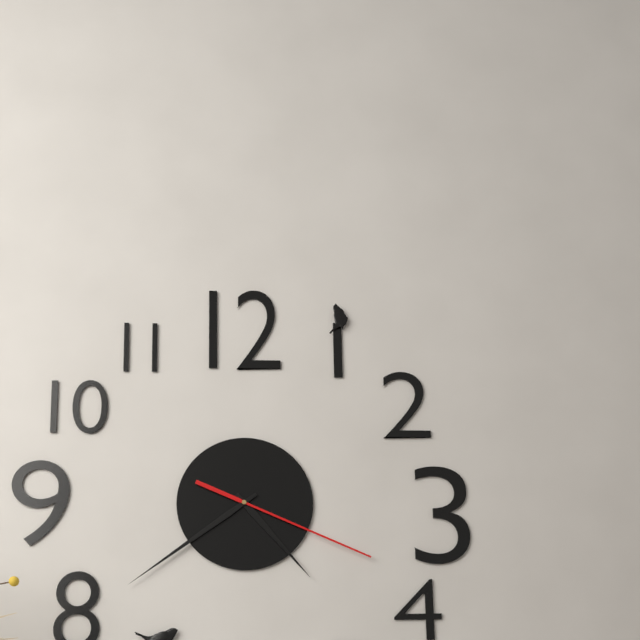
{"hour": 4, "minute": 39, "second": 19}
